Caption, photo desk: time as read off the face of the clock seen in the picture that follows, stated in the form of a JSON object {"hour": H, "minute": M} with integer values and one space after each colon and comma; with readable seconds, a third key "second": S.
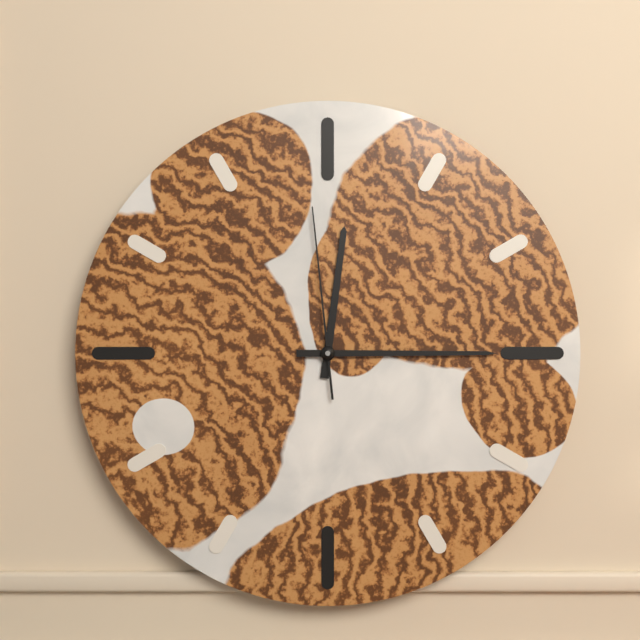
{"hour": 12, "minute": 15, "second": 59}
